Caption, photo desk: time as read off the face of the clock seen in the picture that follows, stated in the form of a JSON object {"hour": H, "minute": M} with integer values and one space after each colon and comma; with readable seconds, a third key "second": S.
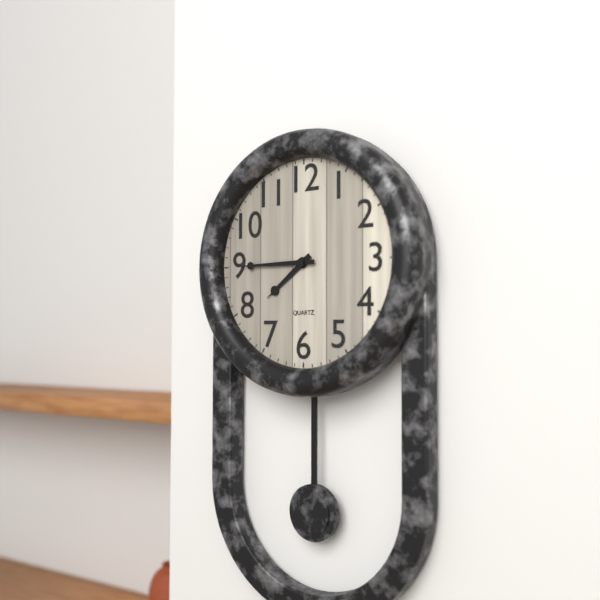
{"hour": 7, "minute": 45}
